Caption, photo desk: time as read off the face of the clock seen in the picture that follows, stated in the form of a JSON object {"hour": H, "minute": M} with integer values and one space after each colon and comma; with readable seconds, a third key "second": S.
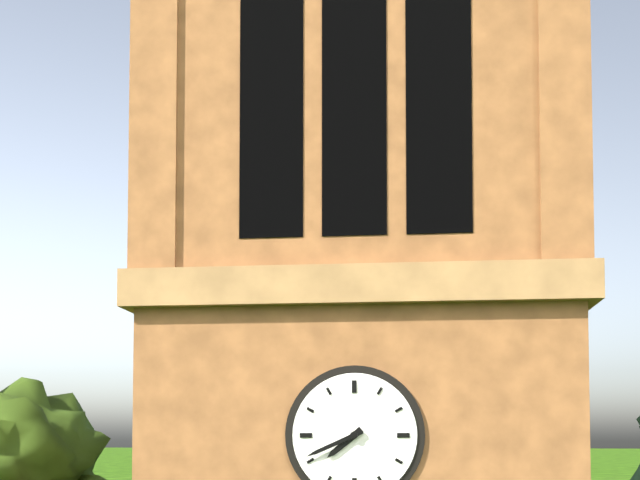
{"hour": 7, "minute": 41}
